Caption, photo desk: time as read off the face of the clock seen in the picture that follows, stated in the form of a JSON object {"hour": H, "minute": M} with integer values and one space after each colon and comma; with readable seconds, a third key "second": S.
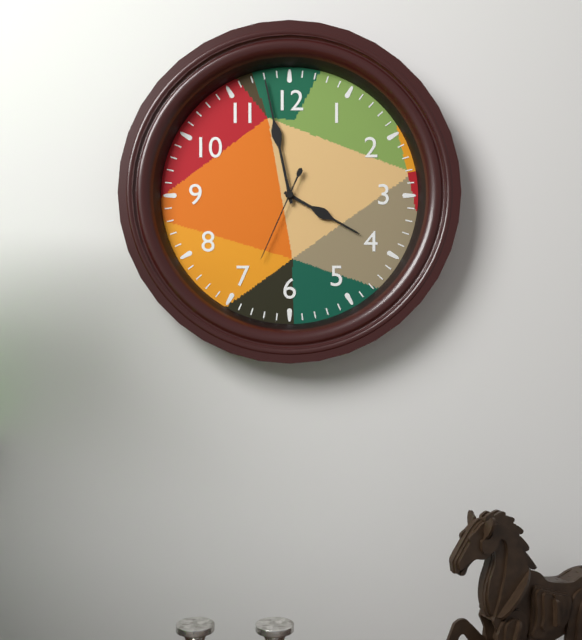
{"hour": 3, "minute": 58, "second": 34}
